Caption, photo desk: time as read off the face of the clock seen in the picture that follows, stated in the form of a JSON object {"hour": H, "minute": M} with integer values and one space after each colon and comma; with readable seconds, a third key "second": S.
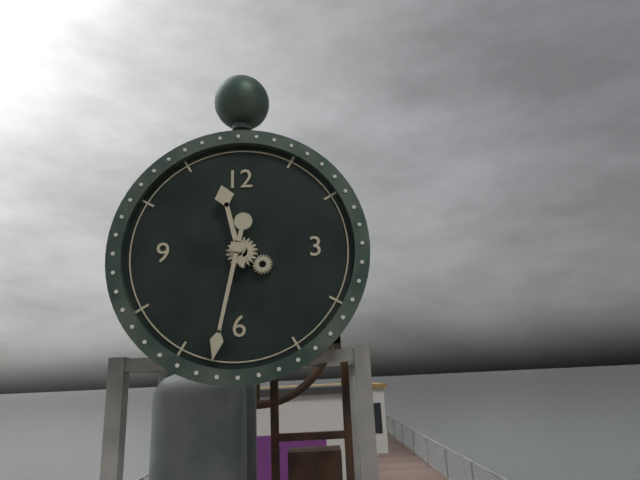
{"hour": 11, "minute": 32}
